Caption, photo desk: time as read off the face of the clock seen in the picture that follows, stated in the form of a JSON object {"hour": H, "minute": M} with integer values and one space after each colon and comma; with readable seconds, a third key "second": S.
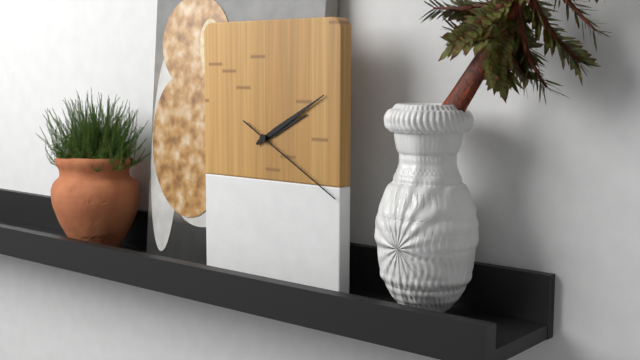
{"hour": 2, "minute": 10, "second": 20}
